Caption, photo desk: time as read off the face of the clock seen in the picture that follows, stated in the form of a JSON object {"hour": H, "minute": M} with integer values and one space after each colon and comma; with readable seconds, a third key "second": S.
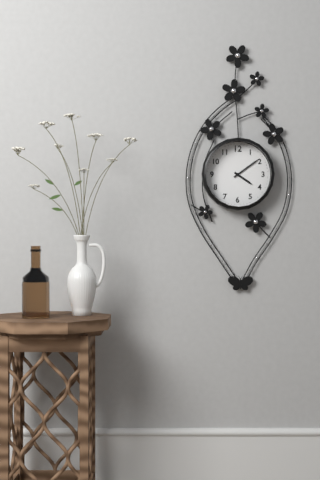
{"hour": 4, "minute": 9}
